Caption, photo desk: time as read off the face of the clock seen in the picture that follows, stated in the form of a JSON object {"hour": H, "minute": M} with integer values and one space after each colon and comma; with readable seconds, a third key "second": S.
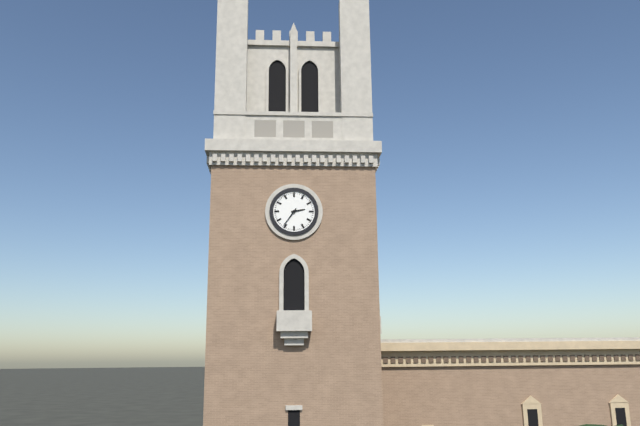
{"hour": 2, "minute": 36}
